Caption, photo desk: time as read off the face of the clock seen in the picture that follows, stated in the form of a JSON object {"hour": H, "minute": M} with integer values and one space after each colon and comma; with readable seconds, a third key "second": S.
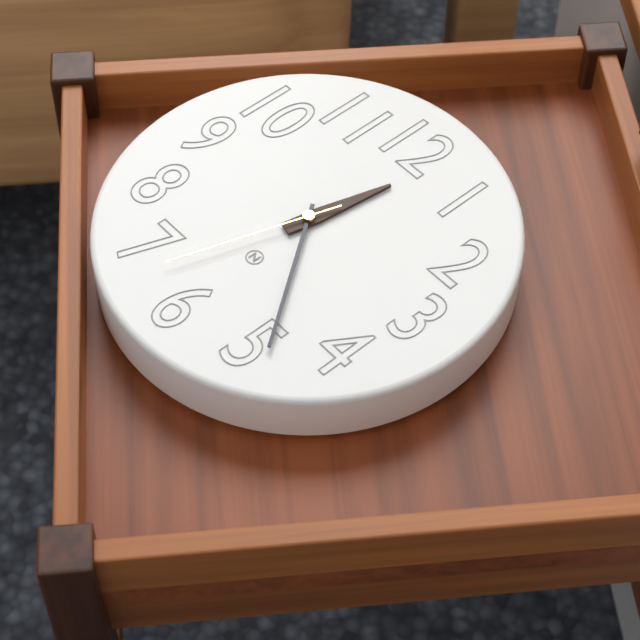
{"hour": 12, "minute": 24, "second": 33}
